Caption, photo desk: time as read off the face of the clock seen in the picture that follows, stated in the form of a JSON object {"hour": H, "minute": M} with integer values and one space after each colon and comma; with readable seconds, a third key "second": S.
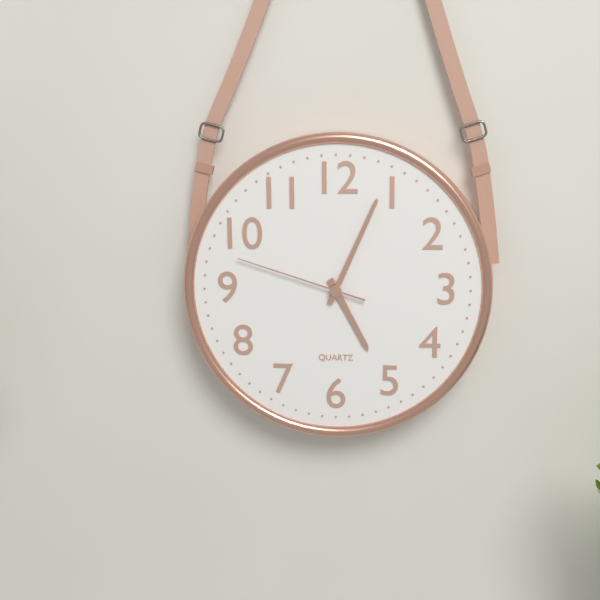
{"hour": 5, "minute": 4, "second": 48}
